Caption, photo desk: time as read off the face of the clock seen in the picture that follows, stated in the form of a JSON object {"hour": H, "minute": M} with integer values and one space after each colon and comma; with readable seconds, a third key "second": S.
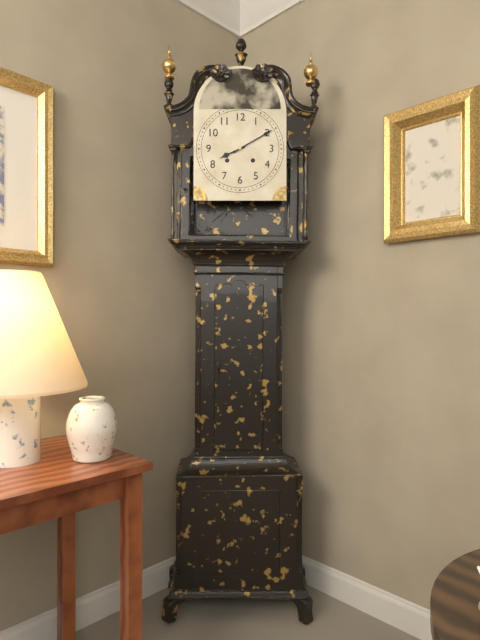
{"hour": 8, "minute": 10}
